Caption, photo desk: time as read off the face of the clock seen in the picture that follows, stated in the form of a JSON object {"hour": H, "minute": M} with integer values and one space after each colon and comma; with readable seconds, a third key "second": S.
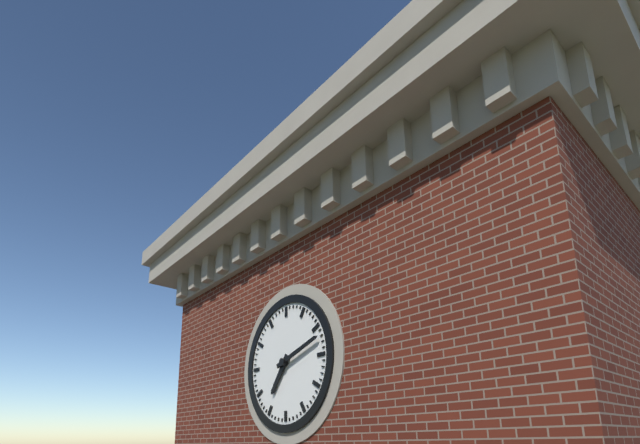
{"hour": 7, "minute": 12}
